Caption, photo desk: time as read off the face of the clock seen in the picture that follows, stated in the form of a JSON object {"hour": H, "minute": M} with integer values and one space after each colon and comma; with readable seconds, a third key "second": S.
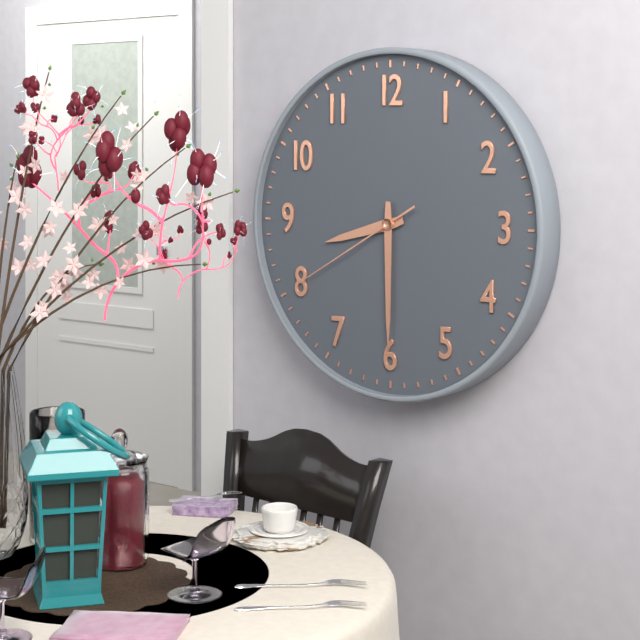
{"hour": 8, "minute": 30, "second": 40}
